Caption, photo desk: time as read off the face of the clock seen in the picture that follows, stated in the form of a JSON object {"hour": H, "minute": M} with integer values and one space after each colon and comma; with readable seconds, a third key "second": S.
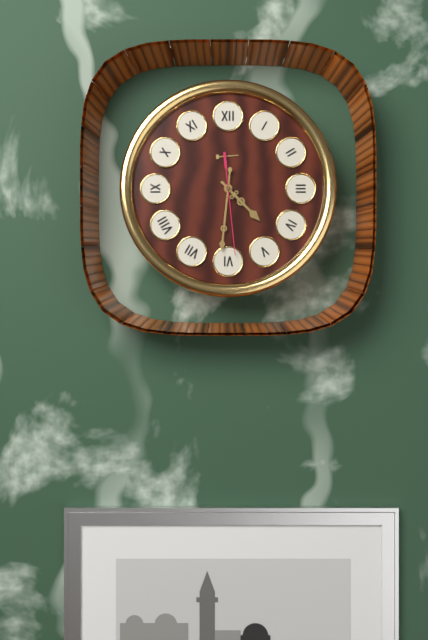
{"hour": 4, "minute": 31, "second": 29}
